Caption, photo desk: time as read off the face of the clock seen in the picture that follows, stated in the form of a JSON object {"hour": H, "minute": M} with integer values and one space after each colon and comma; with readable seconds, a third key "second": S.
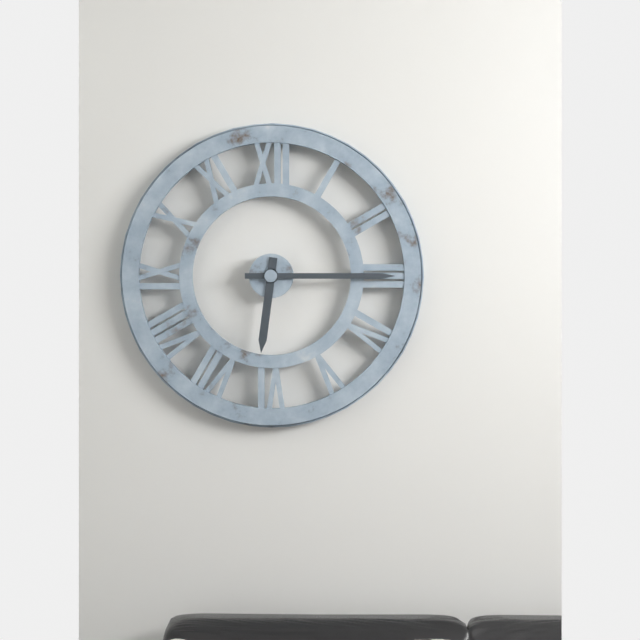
{"hour": 6, "minute": 15}
